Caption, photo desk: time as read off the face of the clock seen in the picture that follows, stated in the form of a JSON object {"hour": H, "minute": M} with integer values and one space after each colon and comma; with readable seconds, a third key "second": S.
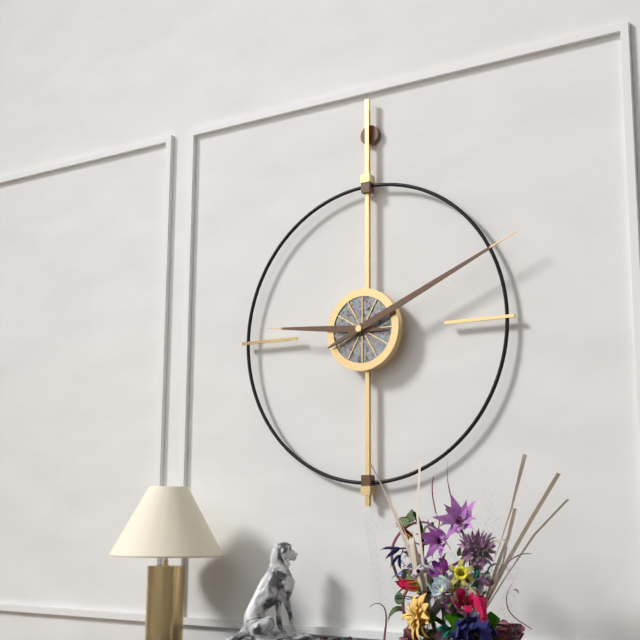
{"hour": 9, "minute": 11}
